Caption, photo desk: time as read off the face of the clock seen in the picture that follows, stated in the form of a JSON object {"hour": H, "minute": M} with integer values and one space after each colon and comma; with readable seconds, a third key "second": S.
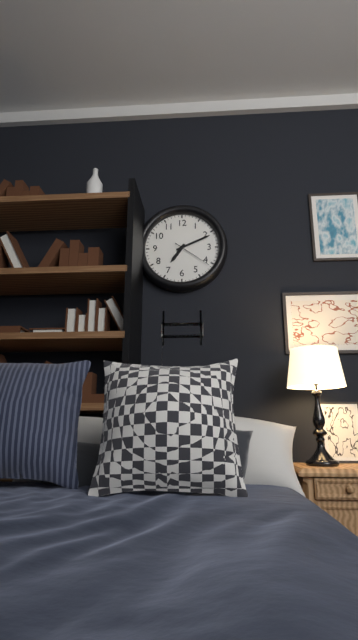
{"hour": 7, "minute": 11}
